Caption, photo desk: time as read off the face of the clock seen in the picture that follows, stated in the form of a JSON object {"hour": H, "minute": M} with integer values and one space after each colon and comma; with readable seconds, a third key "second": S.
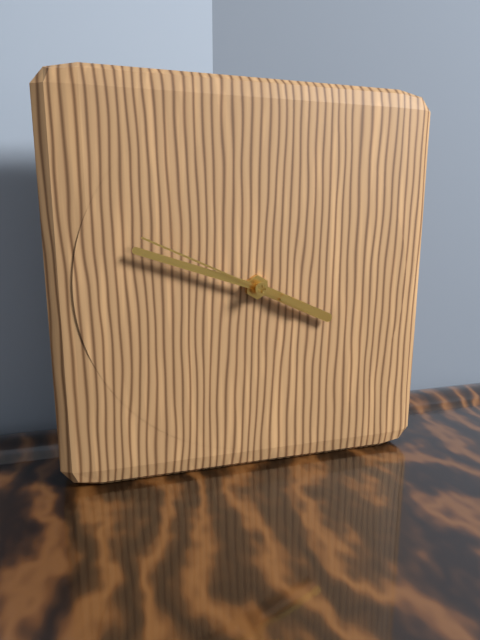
{"hour": 3, "minute": 48, "second": 49}
